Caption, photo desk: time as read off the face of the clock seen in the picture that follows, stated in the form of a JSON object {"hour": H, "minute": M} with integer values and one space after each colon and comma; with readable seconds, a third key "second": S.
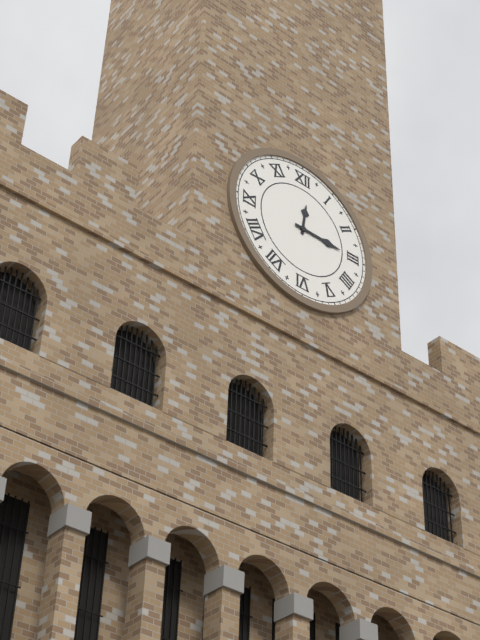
{"hour": 12, "minute": 15}
